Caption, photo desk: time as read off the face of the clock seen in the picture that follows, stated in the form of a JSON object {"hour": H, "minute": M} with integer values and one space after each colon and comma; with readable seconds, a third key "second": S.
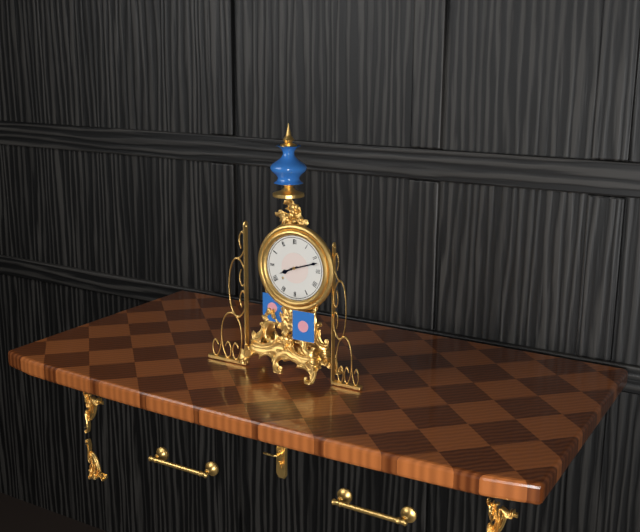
{"hour": 8, "minute": 12}
